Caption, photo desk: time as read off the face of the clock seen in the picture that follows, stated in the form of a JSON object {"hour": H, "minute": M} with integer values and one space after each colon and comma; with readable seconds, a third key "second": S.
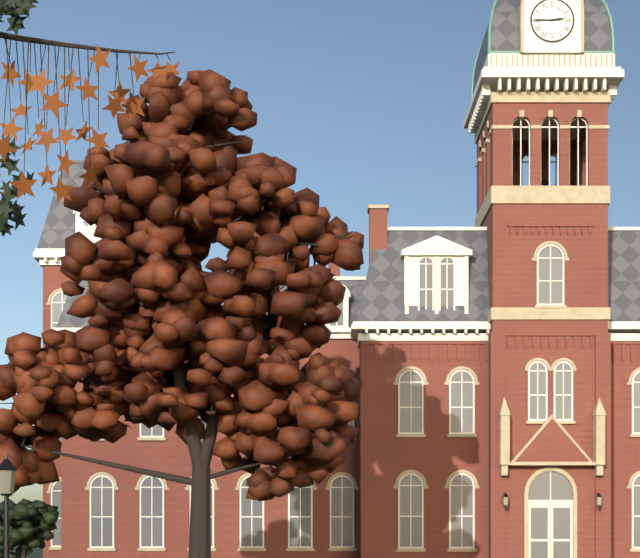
{"hour": 2, "minute": 45}
